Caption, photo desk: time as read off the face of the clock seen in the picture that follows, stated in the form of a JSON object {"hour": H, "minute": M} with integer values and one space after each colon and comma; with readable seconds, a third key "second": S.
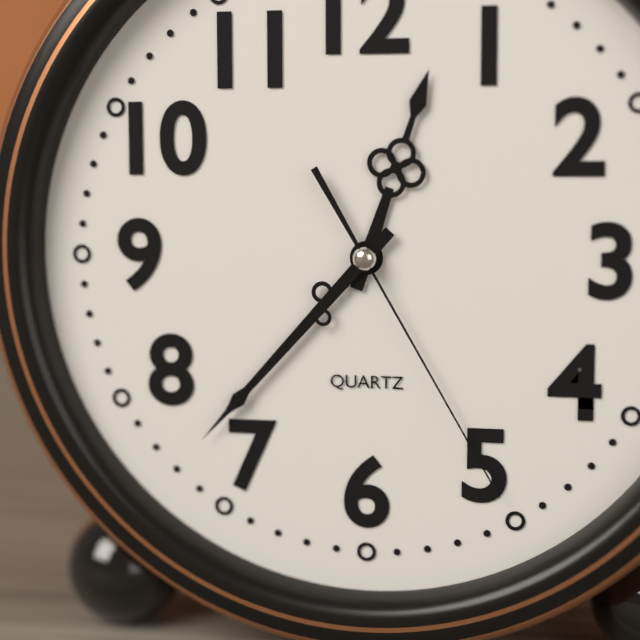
{"hour": 12, "minute": 37, "second": 25}
